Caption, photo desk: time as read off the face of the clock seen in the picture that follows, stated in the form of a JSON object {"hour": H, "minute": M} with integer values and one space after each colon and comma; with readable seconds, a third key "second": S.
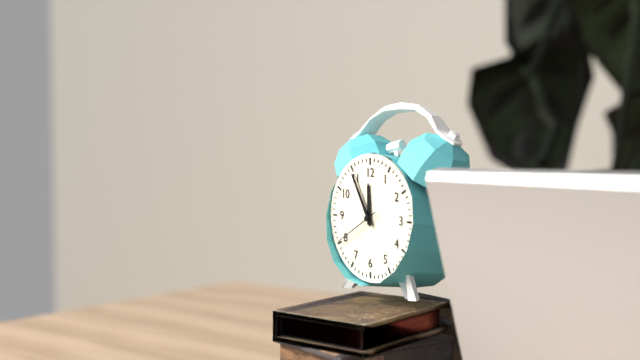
{"hour": 11, "minute": 55, "second": 40}
